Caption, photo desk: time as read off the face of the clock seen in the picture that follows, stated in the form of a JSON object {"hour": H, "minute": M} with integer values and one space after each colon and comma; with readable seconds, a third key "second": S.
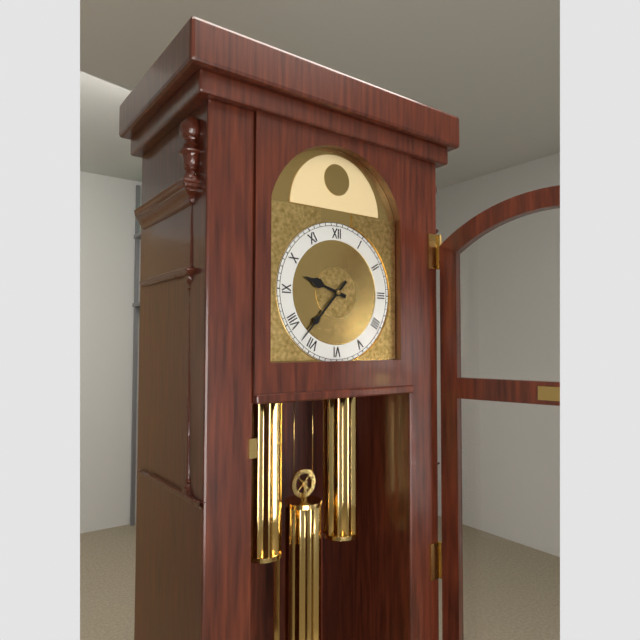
{"hour": 9, "minute": 37}
